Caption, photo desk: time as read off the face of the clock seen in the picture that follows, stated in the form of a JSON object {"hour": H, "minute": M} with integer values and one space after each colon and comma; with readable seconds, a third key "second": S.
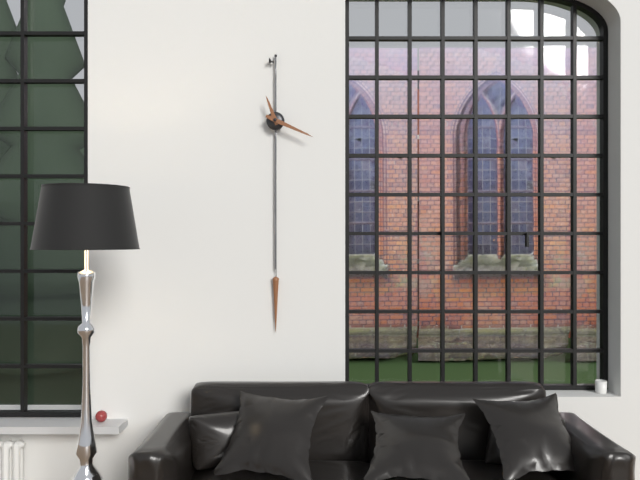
{"hour": 11, "minute": 19}
